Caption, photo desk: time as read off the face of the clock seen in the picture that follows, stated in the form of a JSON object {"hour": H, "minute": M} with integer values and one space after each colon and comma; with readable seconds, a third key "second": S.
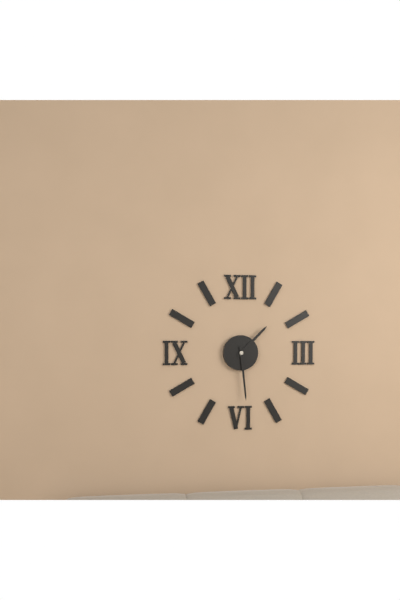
{"hour": 1, "minute": 29}
